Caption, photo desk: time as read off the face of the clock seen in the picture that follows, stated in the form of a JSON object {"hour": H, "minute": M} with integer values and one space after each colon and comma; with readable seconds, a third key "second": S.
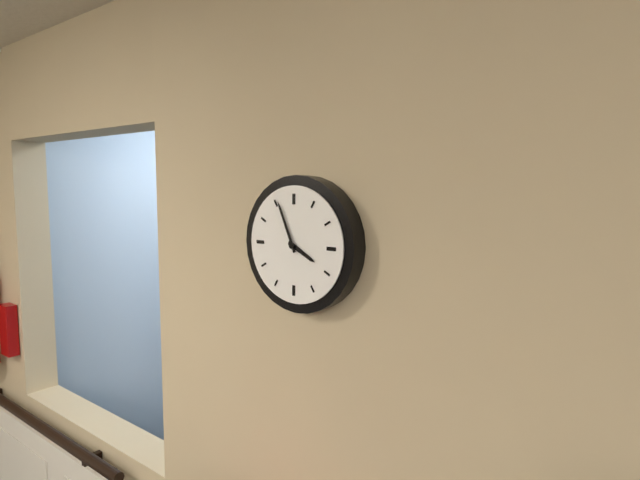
{"hour": 3, "minute": 56}
